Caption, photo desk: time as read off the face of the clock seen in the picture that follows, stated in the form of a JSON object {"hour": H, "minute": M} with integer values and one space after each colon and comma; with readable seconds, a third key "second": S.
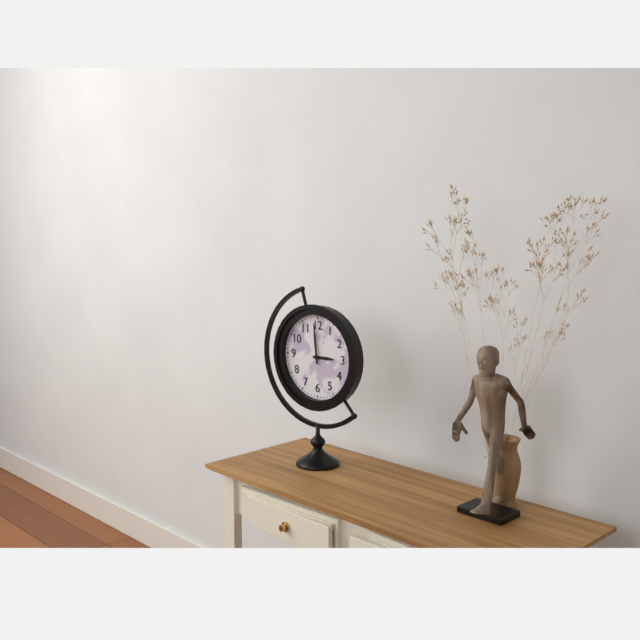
{"hour": 2, "minute": 59}
